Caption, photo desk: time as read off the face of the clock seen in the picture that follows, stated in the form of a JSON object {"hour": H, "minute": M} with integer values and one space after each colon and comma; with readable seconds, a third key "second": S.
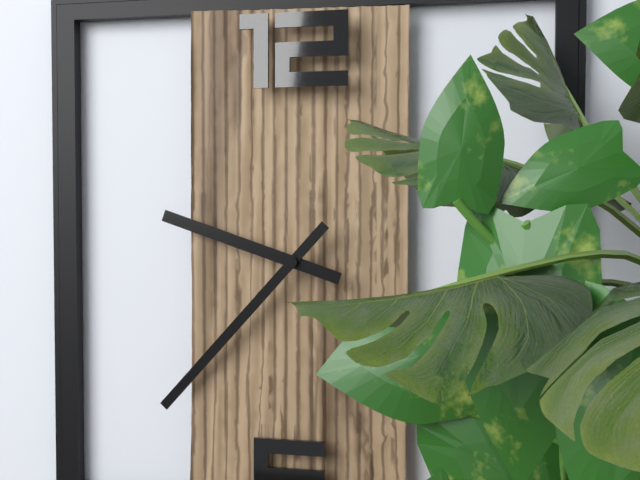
{"hour": 9, "minute": 37}
